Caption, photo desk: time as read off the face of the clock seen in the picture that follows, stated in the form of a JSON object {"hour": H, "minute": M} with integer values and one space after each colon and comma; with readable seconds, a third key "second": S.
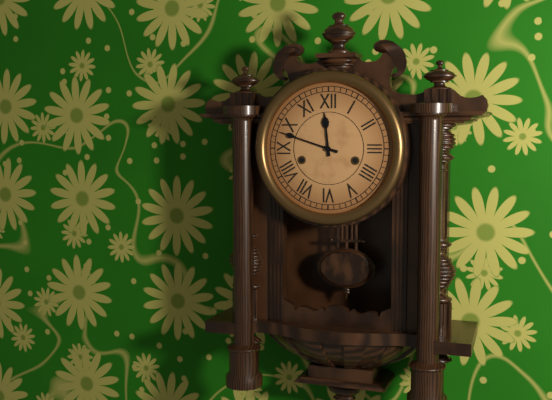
{"hour": 11, "minute": 48}
